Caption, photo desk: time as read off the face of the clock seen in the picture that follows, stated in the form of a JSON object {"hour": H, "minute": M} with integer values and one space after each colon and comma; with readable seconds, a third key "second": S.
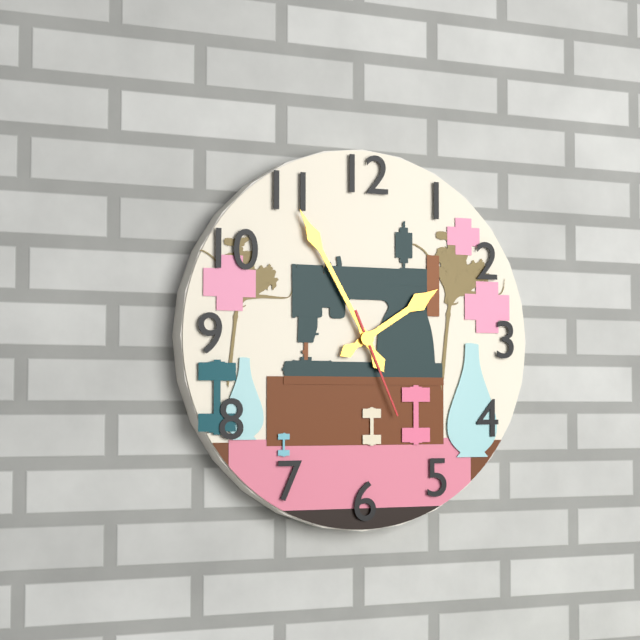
{"hour": 1, "minute": 55, "second": 26}
